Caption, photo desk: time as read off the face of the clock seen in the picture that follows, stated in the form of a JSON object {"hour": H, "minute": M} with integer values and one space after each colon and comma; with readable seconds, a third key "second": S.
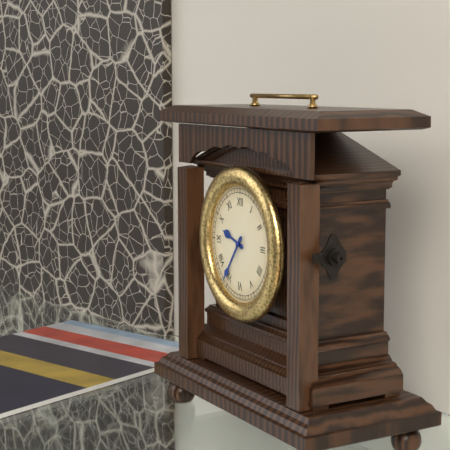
{"hour": 9, "minute": 36}
